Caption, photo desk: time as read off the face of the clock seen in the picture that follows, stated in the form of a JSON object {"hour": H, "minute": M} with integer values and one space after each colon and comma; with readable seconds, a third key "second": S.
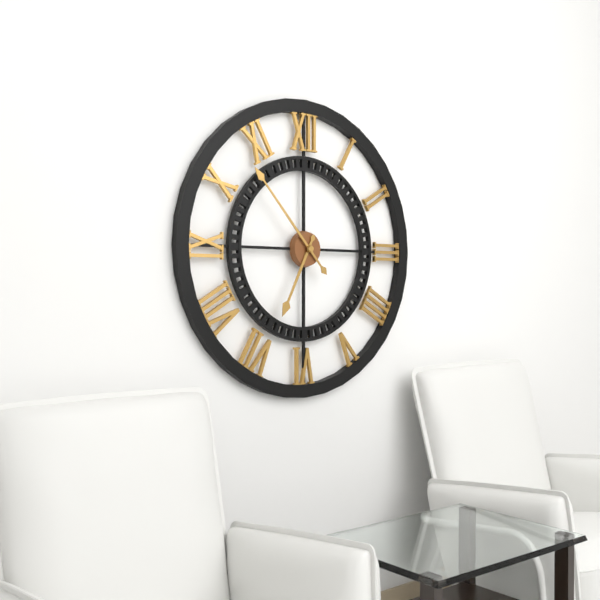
{"hour": 6, "minute": 53}
